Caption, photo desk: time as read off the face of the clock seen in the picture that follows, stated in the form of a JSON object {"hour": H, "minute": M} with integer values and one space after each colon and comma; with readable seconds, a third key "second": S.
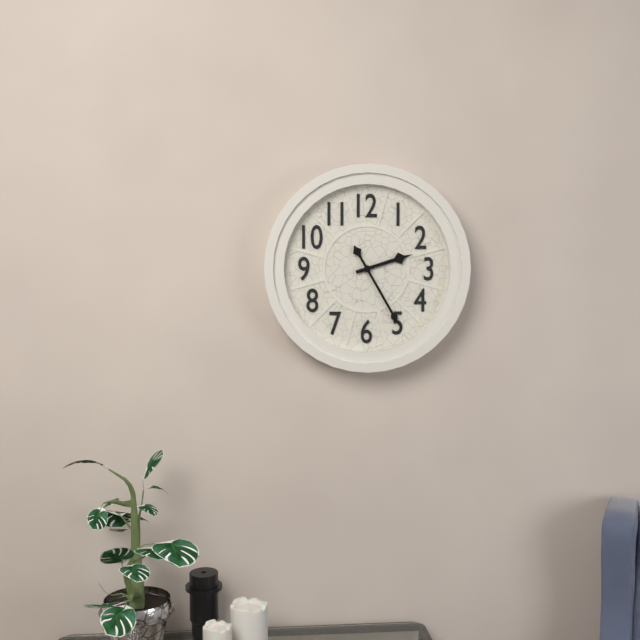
{"hour": 2, "minute": 25}
